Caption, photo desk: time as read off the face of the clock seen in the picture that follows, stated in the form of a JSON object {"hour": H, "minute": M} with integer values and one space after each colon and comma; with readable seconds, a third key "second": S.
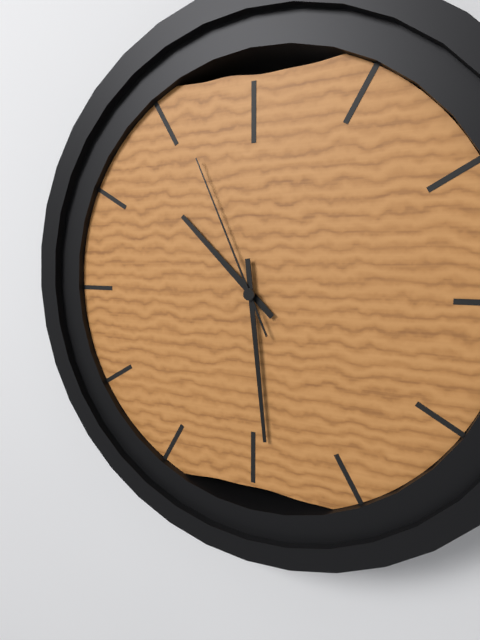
{"hour": 10, "minute": 29, "second": 56}
